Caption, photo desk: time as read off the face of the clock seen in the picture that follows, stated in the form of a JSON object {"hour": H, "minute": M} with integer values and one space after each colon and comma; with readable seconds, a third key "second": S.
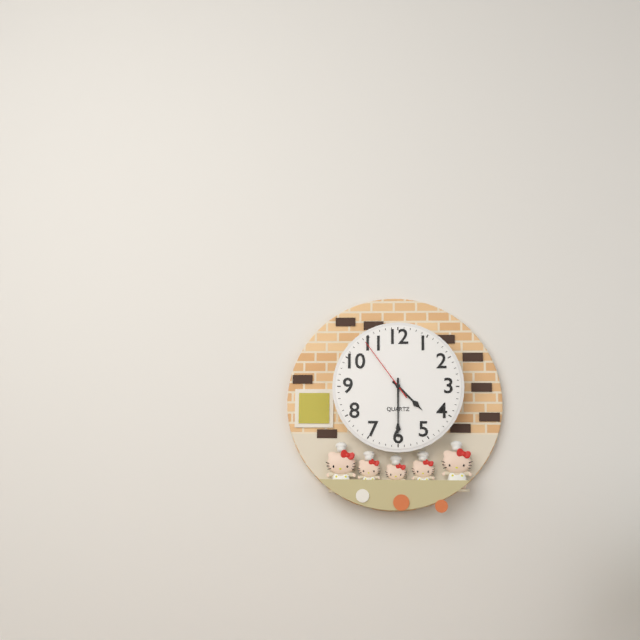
{"hour": 4, "minute": 30, "second": 54}
